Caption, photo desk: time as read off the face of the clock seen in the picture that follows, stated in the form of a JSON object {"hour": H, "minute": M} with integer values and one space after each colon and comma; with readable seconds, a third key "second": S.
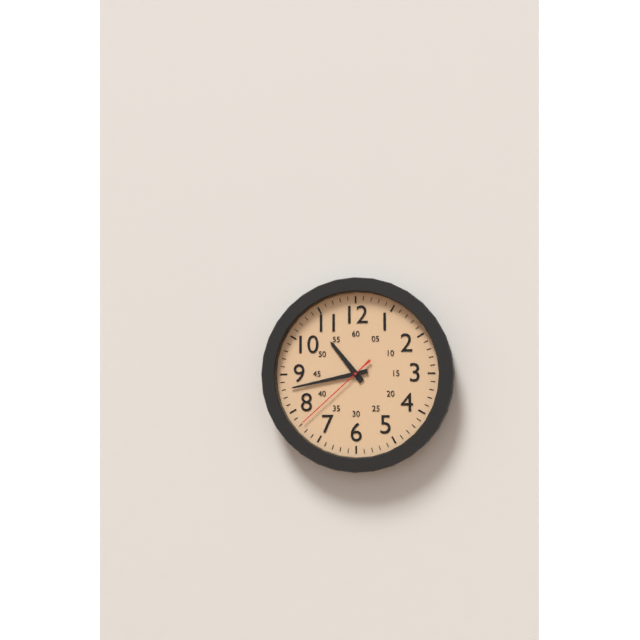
{"hour": 10, "minute": 43, "second": 38}
